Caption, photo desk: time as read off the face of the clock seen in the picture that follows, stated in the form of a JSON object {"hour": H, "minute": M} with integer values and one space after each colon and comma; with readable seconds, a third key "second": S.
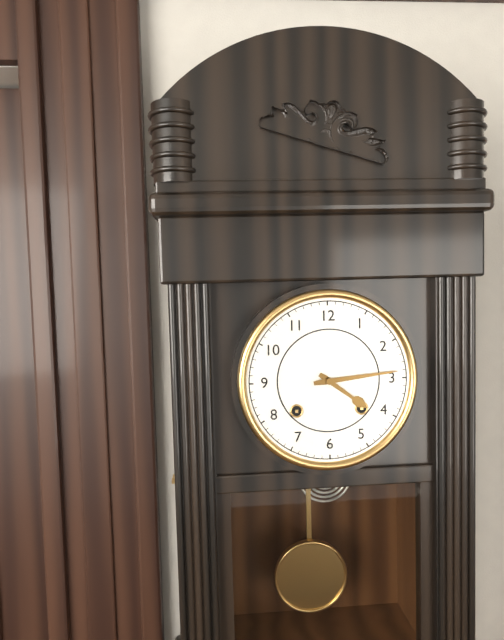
{"hour": 4, "minute": 14}
